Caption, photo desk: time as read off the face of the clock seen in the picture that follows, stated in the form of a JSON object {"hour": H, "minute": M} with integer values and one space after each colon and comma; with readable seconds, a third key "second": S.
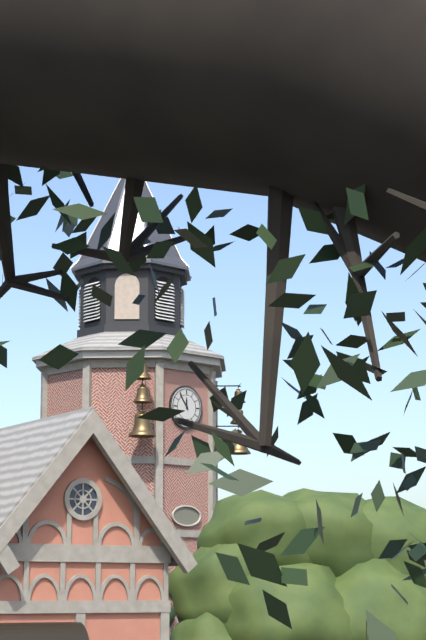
{"hour": 11, "minute": 54}
